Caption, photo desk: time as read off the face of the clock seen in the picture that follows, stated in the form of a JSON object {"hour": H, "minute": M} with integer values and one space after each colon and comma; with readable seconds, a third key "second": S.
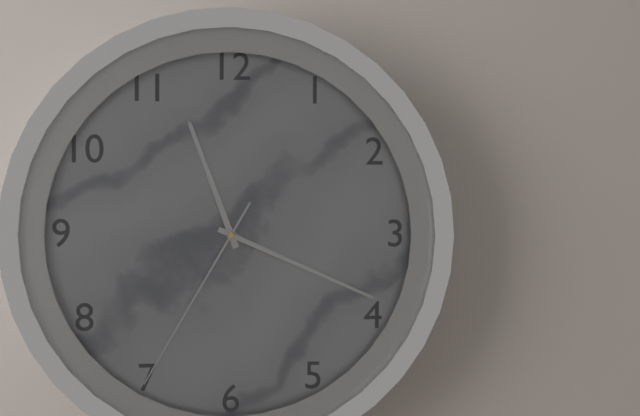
{"hour": 11, "minute": 19, "second": 35}
